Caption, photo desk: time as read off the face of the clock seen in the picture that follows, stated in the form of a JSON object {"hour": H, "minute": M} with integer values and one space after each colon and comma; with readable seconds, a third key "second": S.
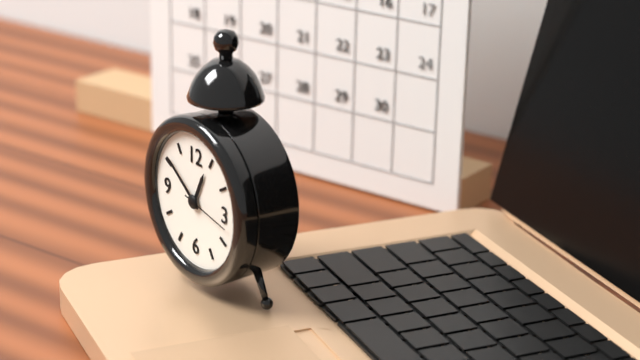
{"hour": 12, "minute": 51}
